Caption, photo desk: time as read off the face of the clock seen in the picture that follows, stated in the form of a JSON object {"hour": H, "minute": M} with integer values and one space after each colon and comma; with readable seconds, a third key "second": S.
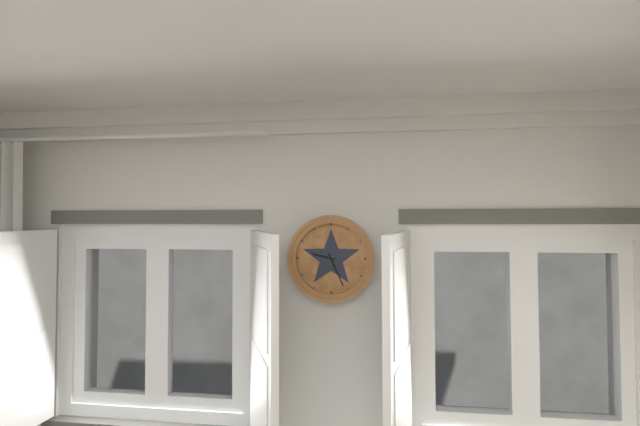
{"hour": 9, "minute": 26}
